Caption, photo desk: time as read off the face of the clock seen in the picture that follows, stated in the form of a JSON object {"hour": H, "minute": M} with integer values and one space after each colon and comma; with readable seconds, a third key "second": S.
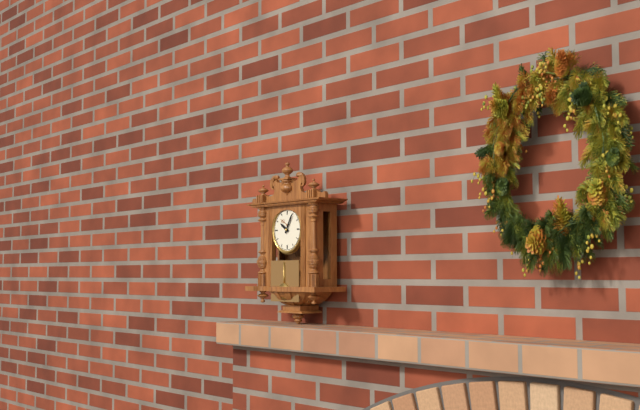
{"hour": 10, "minute": 5}
